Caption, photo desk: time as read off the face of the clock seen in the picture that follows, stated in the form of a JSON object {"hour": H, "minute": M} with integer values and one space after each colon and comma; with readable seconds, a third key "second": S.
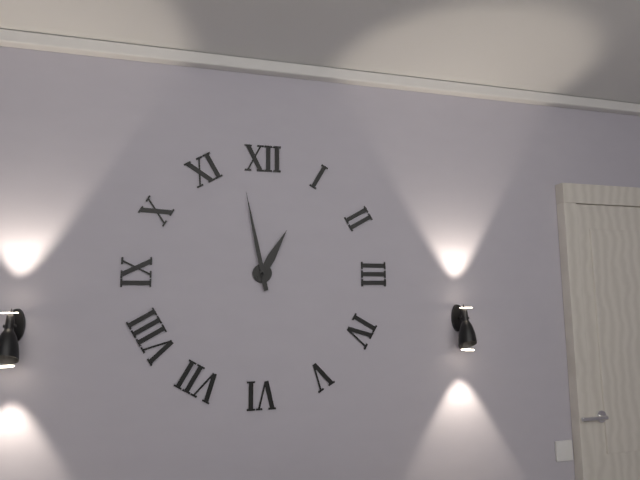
{"hour": 12, "minute": 58}
